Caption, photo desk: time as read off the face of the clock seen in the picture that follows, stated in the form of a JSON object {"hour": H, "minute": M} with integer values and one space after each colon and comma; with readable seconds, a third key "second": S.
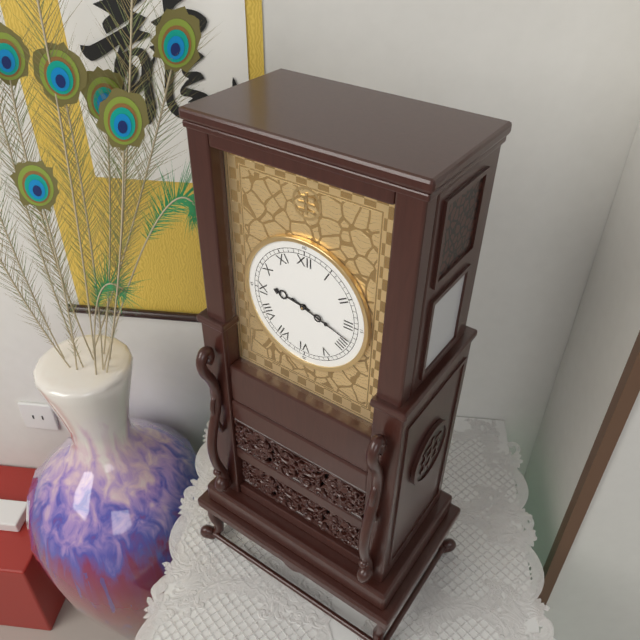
{"hour": 9, "minute": 18}
